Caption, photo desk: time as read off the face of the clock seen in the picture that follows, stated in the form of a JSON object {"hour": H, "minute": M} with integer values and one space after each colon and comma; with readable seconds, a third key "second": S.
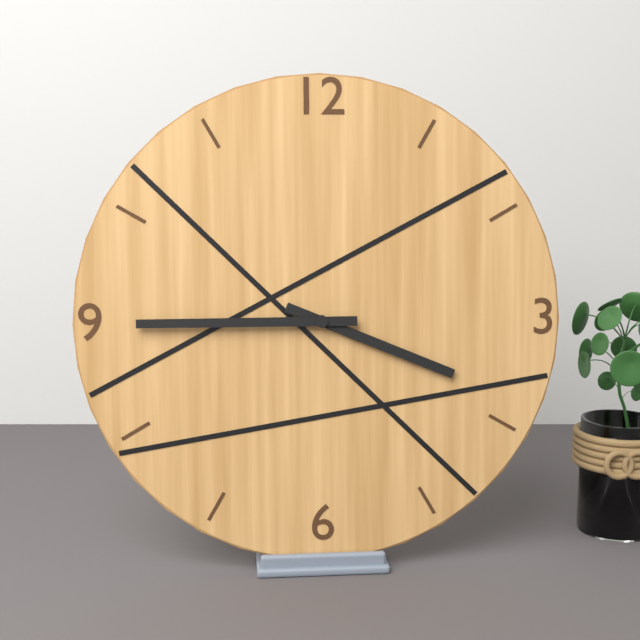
{"hour": 3, "minute": 45}
